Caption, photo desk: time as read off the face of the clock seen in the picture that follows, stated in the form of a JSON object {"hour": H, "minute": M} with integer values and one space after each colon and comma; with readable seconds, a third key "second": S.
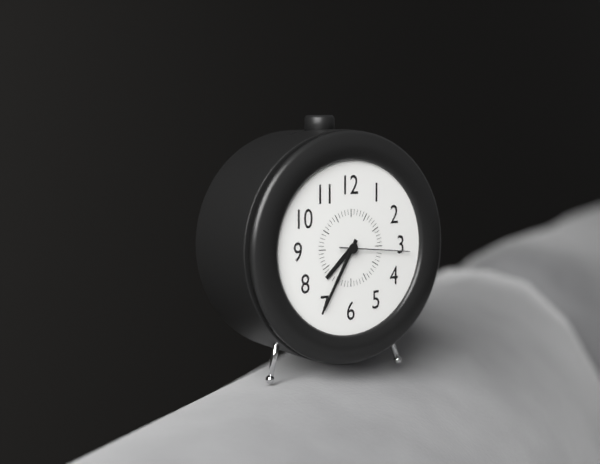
{"hour": 7, "minute": 35, "second": 16}
